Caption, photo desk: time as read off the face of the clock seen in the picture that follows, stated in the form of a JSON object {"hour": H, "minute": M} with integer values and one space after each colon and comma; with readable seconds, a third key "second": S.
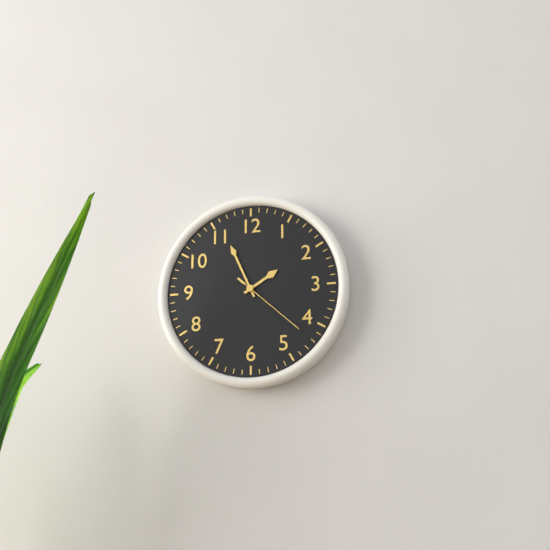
{"hour": 1, "minute": 56, "second": 22}
